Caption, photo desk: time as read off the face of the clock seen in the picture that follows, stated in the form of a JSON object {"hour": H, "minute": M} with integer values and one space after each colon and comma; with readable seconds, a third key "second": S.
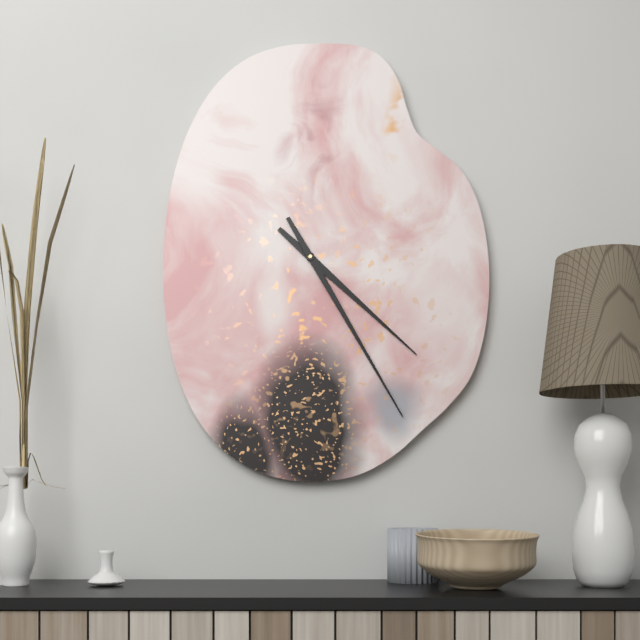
{"hour": 4, "minute": 25}
